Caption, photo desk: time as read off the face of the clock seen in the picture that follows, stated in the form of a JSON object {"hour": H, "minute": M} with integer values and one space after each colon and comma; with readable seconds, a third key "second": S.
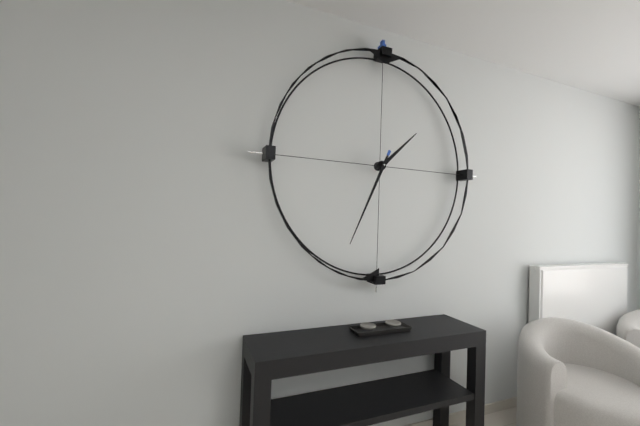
{"hour": 1, "minute": 34}
